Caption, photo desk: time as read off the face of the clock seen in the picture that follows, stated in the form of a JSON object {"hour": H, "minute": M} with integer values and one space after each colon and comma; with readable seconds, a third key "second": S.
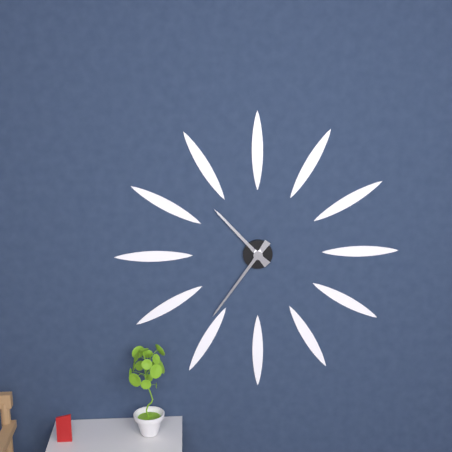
{"hour": 10, "minute": 36}
